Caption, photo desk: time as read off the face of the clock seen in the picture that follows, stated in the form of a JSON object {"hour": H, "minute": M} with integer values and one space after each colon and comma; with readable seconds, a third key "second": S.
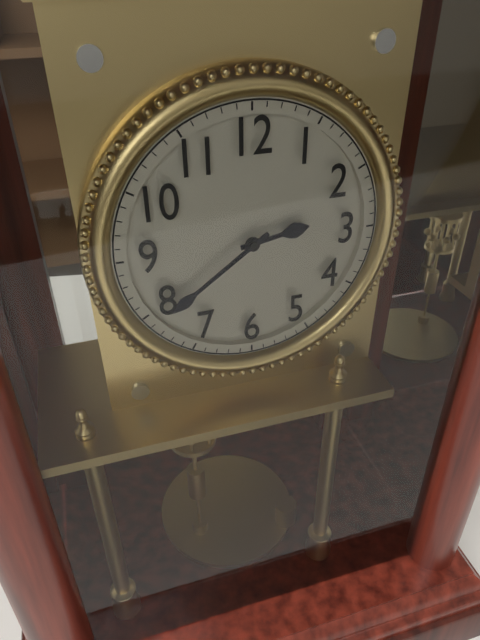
{"hour": 2, "minute": 39}
